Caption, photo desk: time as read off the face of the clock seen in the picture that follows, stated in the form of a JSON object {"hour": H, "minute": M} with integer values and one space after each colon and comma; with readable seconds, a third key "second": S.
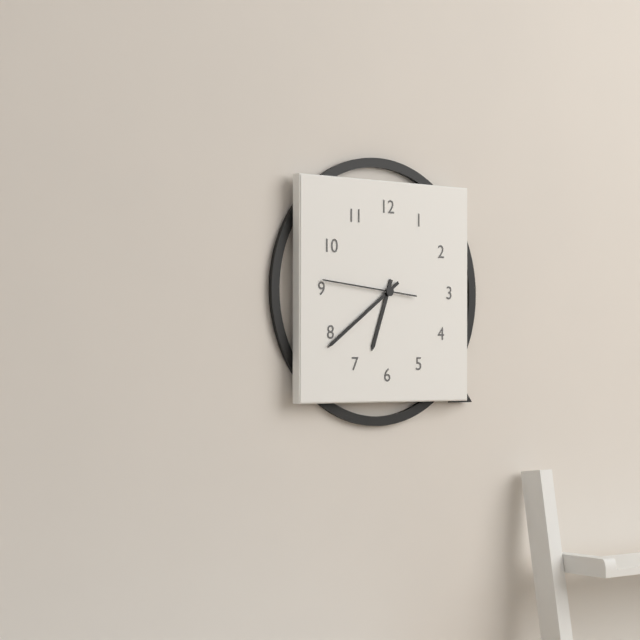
{"hour": 6, "minute": 39, "second": 46}
